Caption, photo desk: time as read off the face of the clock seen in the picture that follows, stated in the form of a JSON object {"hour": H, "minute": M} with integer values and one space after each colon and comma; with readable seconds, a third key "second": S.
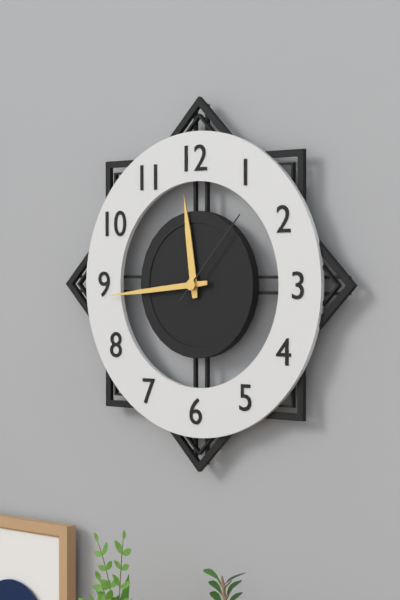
{"hour": 11, "minute": 44, "second": 7}
